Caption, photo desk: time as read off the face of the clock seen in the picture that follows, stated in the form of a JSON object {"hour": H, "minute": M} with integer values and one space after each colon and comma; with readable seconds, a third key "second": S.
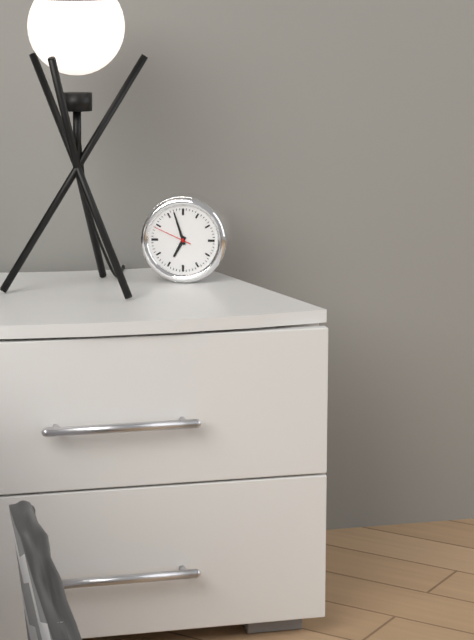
{"hour": 6, "minute": 57}
